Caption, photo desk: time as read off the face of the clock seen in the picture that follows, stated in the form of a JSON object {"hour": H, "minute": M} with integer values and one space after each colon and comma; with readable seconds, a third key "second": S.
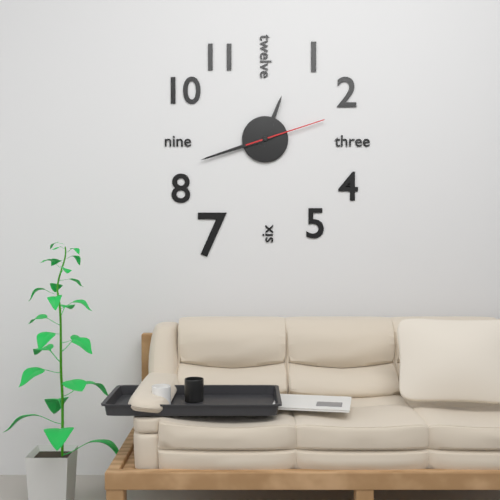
{"hour": 12, "minute": 42, "second": 12}
